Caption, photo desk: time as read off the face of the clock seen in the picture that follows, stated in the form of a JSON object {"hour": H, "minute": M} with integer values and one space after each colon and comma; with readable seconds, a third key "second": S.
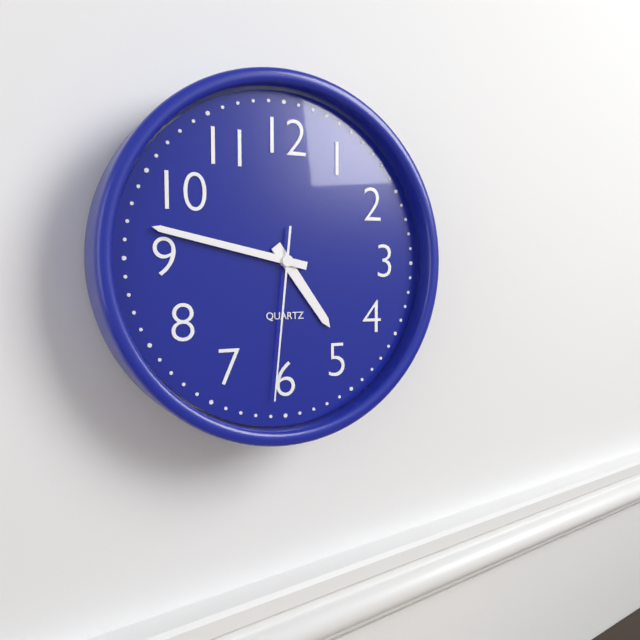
{"hour": 4, "minute": 47, "second": 31}
